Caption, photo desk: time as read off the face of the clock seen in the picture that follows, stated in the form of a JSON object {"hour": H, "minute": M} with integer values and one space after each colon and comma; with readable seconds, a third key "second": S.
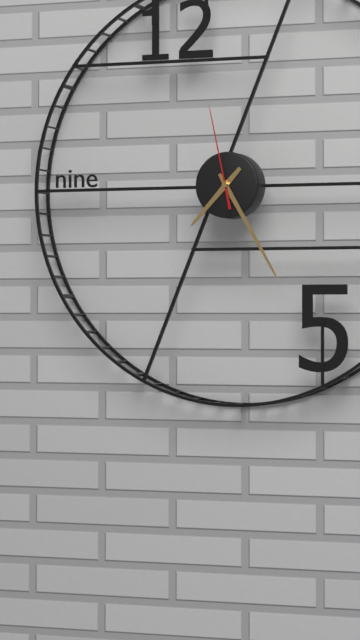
{"hour": 7, "minute": 25, "second": 58}
